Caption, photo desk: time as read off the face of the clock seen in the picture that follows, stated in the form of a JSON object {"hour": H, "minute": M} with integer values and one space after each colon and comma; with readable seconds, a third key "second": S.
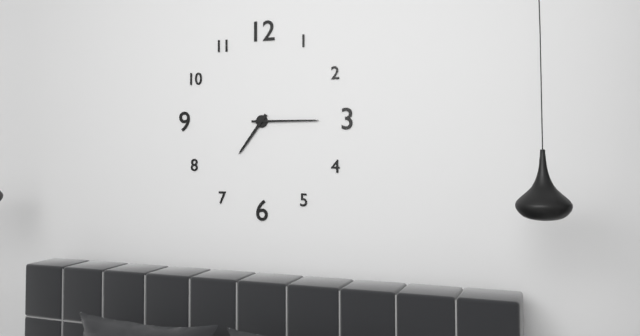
{"hour": 7, "minute": 15}
